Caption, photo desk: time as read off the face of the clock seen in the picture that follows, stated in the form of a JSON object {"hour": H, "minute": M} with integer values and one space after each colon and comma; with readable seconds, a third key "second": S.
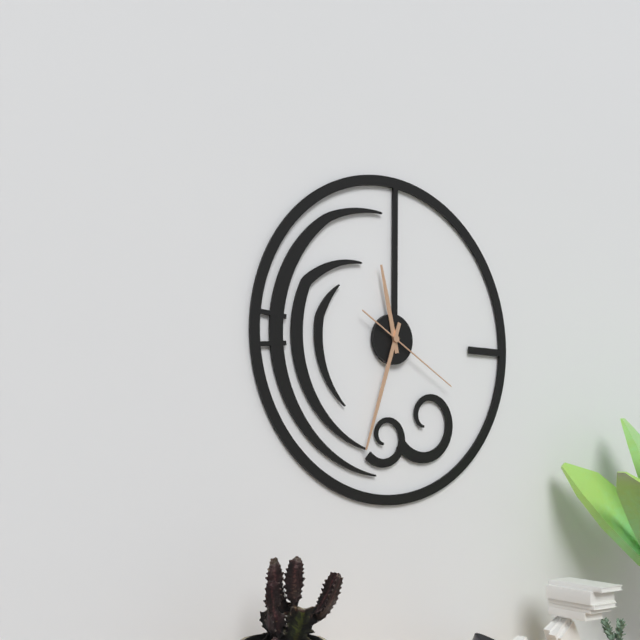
{"hour": 11, "minute": 33, "second": 20}
